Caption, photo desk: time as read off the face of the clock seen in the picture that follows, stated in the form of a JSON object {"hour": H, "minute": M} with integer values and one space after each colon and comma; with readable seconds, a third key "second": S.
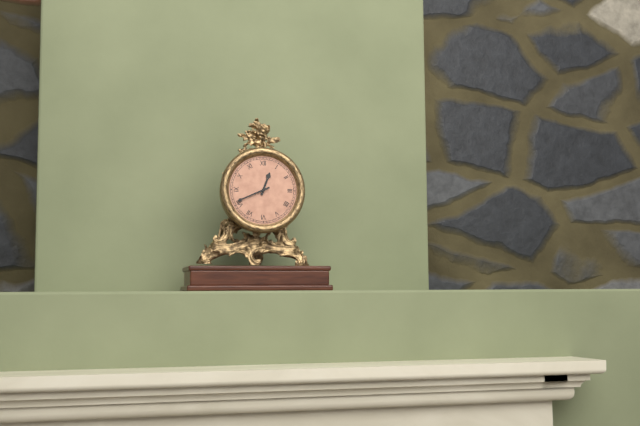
{"hour": 12, "minute": 41}
